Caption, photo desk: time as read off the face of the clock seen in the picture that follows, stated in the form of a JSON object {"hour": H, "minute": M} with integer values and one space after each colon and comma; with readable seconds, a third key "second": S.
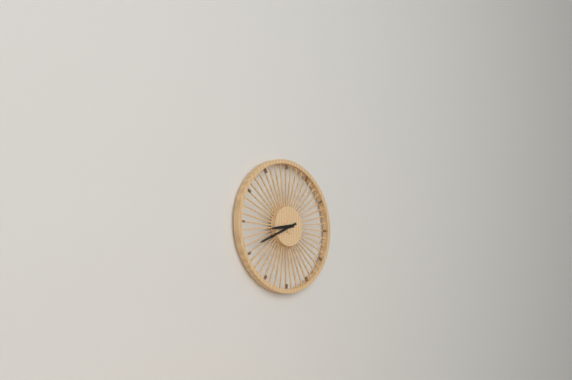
{"hour": 8, "minute": 41}
